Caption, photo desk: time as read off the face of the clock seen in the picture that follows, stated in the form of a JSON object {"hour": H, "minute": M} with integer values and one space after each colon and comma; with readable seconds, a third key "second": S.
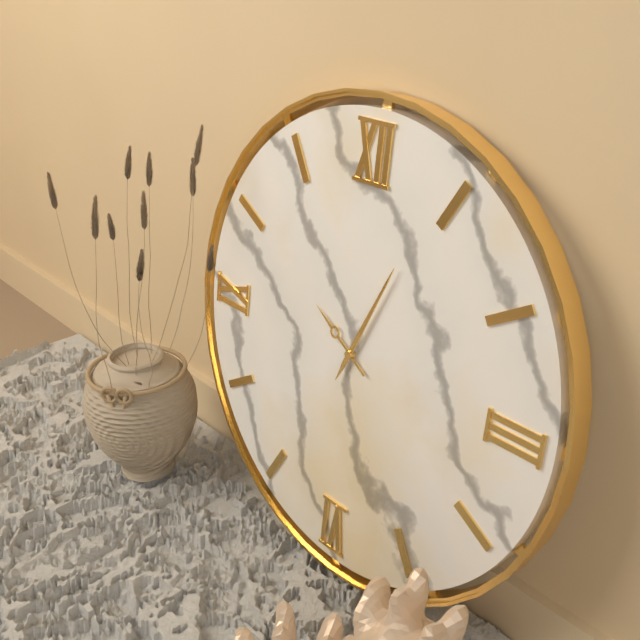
{"hour": 10, "minute": 4}
